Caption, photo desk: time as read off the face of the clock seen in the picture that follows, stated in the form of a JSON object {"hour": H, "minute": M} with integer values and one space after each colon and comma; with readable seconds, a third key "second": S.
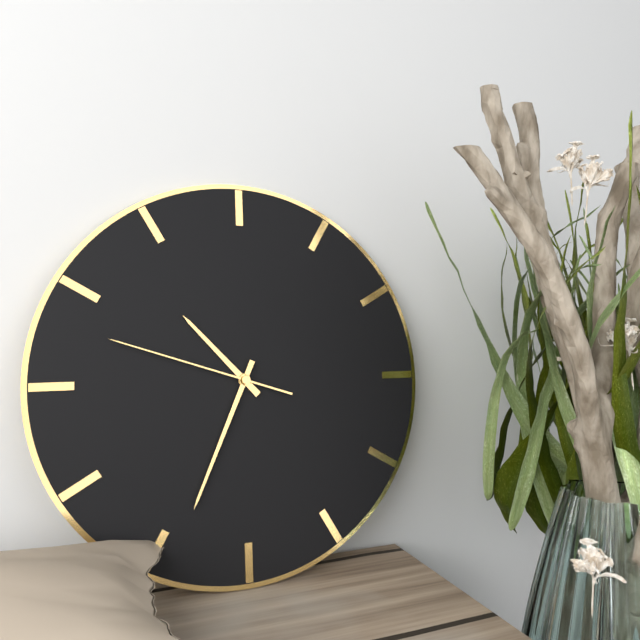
{"hour": 10, "minute": 34, "second": 48}
